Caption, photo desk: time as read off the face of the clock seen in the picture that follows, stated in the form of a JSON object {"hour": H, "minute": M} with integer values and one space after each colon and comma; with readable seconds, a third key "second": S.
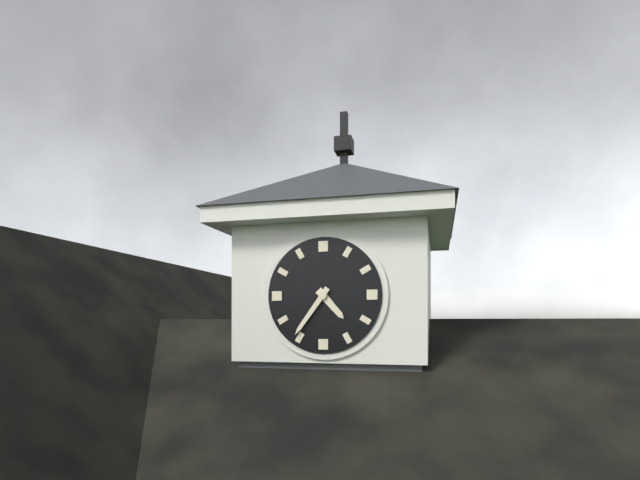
{"hour": 4, "minute": 36}
